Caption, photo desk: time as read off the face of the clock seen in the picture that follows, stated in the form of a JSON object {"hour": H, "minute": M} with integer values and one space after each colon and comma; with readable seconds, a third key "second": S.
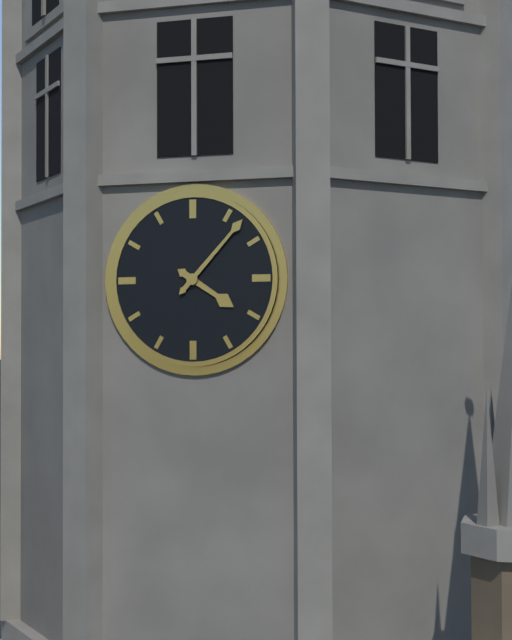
{"hour": 4, "minute": 7}
